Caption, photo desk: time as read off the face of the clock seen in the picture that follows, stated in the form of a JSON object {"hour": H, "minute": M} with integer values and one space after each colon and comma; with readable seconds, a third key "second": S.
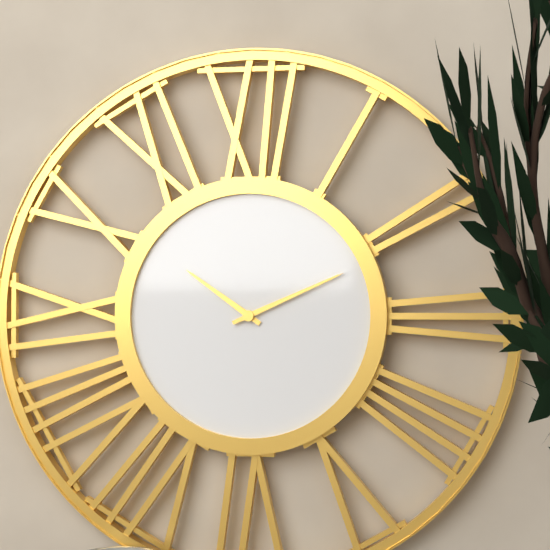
{"hour": 10, "minute": 11}
